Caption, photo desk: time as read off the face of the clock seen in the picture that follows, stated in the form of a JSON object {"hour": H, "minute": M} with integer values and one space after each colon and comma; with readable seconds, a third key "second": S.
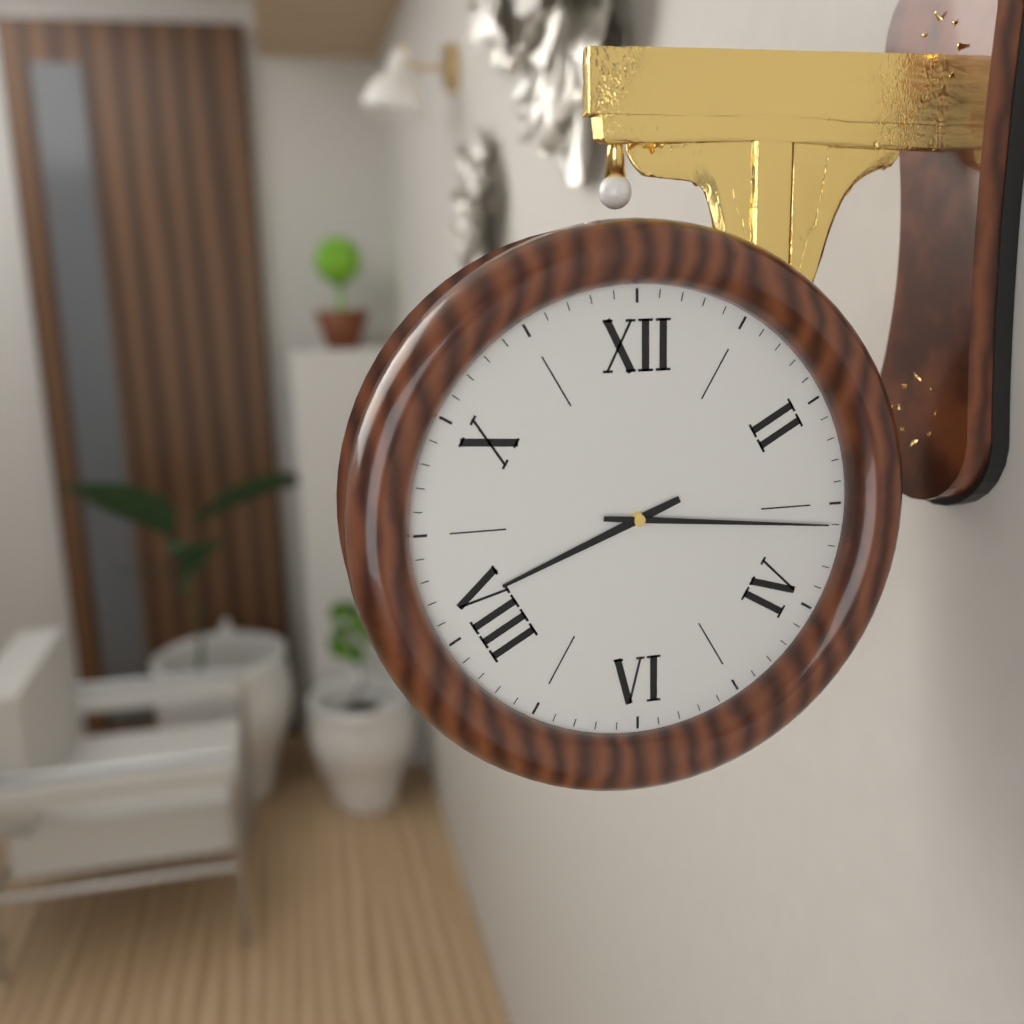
{"hour": 8, "minute": 16}
